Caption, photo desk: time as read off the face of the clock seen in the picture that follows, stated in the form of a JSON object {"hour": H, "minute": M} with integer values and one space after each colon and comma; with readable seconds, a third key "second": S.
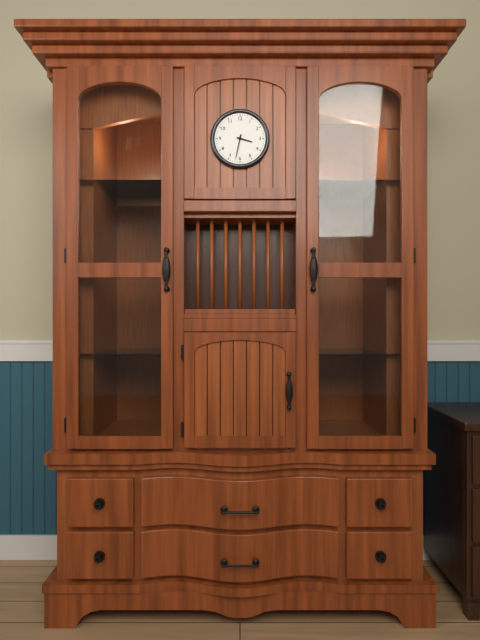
{"hour": 3, "minute": 32}
